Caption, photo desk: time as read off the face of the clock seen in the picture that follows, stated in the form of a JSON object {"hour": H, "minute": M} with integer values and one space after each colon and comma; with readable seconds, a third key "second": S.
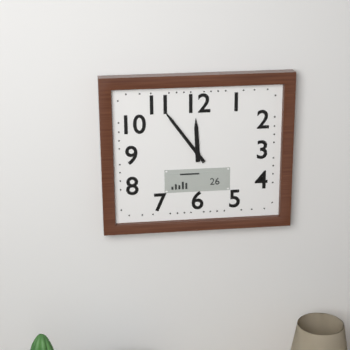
{"hour": 11, "minute": 54}
